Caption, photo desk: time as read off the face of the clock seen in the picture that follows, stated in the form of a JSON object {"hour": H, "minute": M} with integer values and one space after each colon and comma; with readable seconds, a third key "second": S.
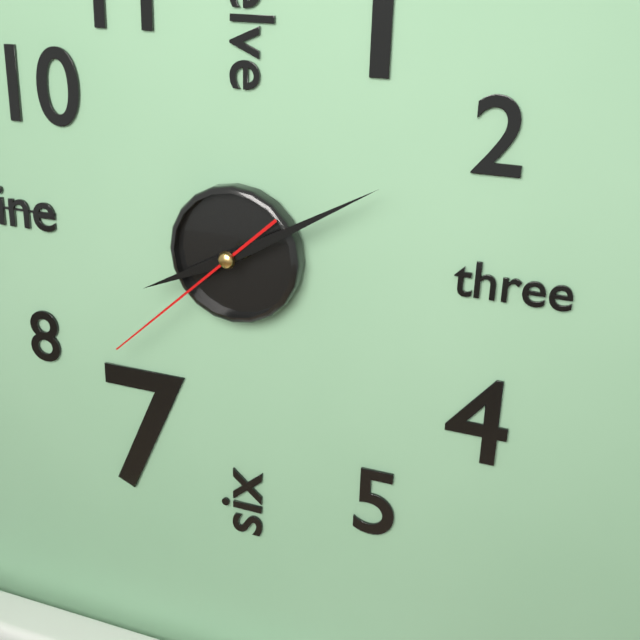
{"hour": 8, "minute": 10, "second": 38}
